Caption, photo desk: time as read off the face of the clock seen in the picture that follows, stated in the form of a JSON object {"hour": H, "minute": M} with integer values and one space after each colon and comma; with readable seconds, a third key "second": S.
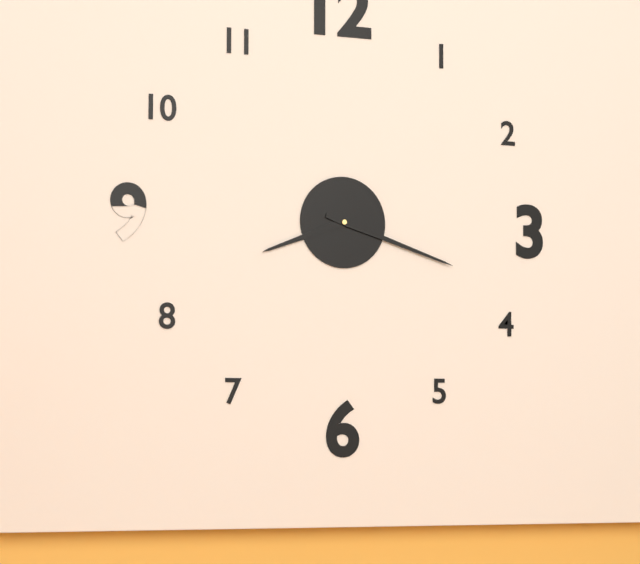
{"hour": 8, "minute": 18}
